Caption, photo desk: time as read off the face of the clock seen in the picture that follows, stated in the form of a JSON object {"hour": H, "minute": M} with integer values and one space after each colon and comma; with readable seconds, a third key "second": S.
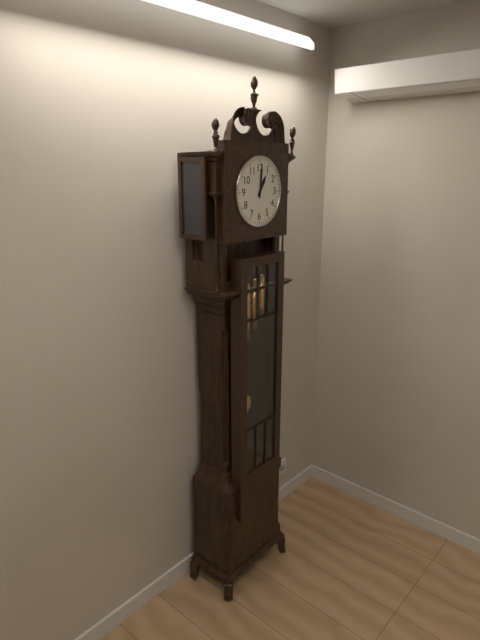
{"hour": 1, "minute": 1}
